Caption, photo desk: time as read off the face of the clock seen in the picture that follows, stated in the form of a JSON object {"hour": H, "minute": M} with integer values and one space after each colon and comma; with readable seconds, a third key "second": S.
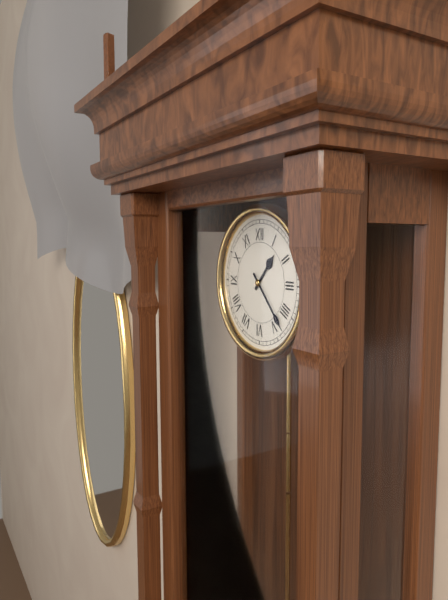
{"hour": 1, "minute": 23}
